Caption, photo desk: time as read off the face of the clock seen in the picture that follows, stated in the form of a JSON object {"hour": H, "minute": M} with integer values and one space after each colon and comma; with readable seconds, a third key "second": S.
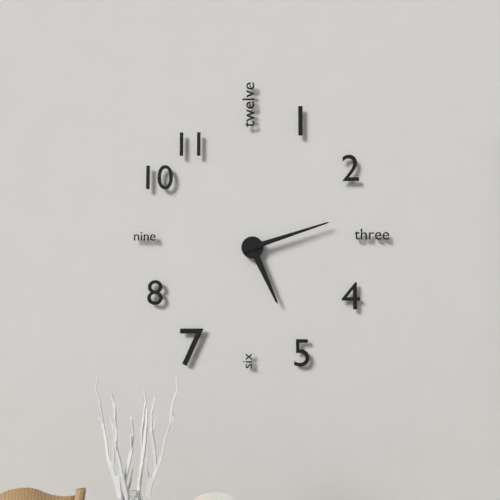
{"hour": 5, "minute": 12}
